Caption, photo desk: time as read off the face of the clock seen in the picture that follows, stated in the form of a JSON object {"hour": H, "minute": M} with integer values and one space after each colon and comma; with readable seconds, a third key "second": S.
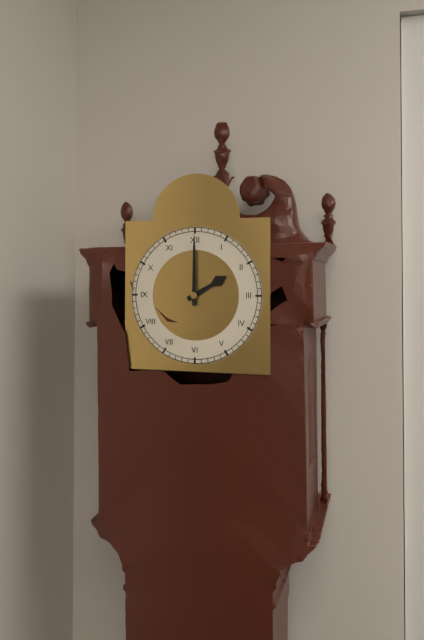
{"hour": 2, "minute": 0}
